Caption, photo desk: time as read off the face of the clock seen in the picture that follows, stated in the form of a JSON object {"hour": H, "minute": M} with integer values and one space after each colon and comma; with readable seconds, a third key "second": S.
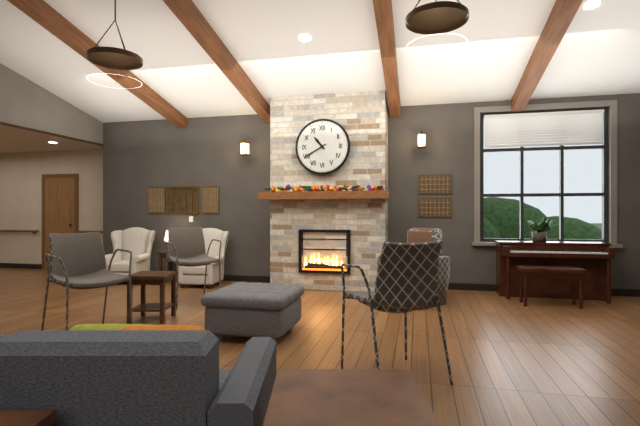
{"hour": 10, "minute": 40}
